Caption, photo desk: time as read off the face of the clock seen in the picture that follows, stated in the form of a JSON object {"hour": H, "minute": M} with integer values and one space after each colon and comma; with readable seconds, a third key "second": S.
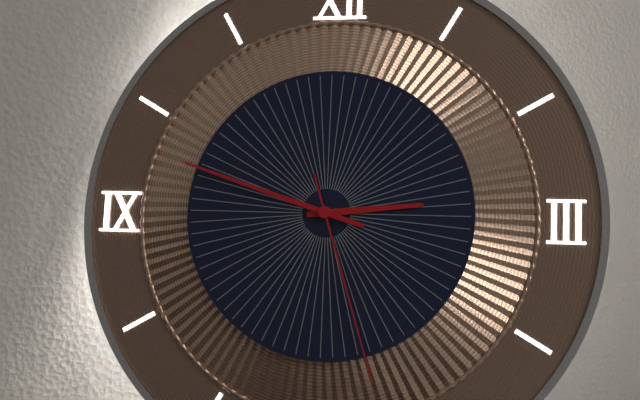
{"hour": 2, "minute": 48, "second": 27}
